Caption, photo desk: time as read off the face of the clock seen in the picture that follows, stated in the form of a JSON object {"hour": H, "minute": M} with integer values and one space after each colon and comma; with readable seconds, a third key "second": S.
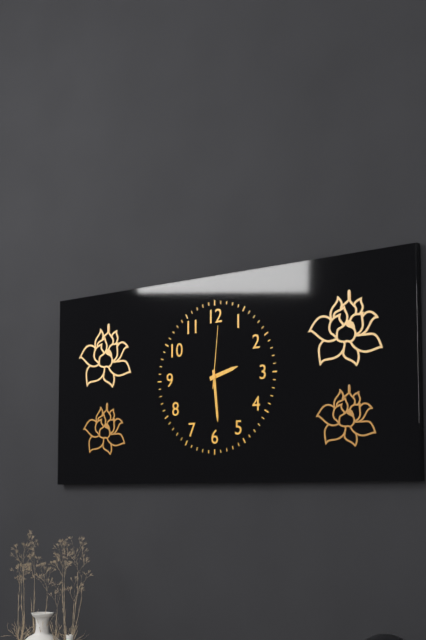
{"hour": 2, "minute": 29, "second": 1}
